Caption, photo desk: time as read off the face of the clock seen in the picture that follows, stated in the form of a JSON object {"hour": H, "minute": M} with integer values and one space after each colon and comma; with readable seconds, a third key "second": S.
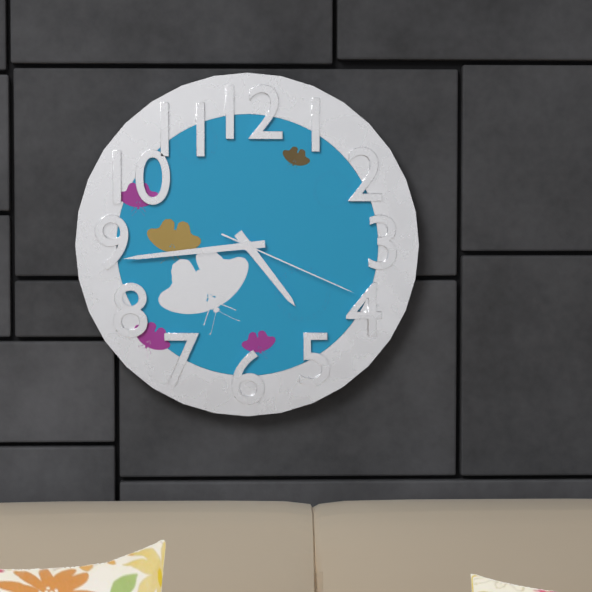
{"hour": 4, "minute": 44, "second": 19}
